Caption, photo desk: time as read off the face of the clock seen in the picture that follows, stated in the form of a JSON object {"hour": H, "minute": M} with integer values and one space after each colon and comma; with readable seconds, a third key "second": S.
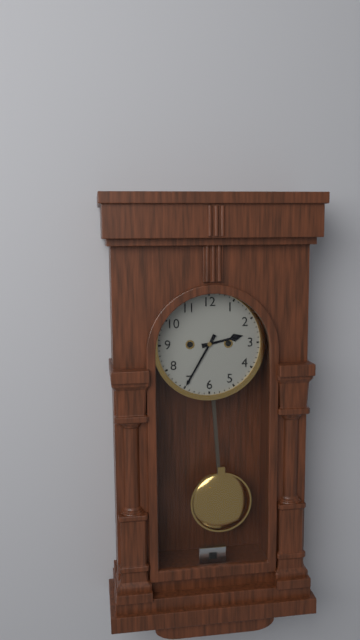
{"hour": 2, "minute": 35}
